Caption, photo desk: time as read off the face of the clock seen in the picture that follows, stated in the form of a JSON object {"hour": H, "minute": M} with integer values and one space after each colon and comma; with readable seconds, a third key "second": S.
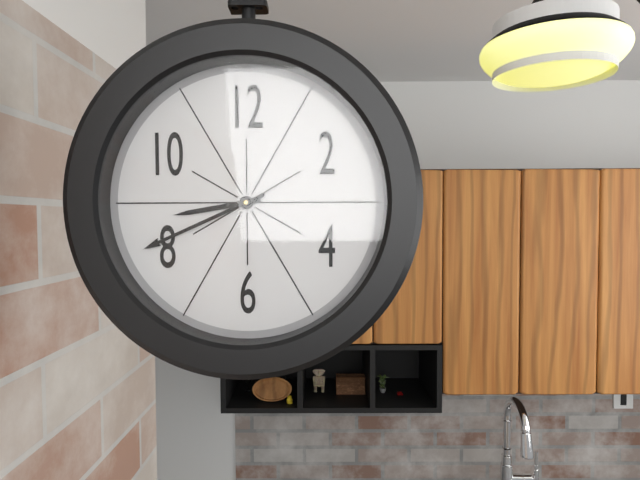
{"hour": 8, "minute": 41}
